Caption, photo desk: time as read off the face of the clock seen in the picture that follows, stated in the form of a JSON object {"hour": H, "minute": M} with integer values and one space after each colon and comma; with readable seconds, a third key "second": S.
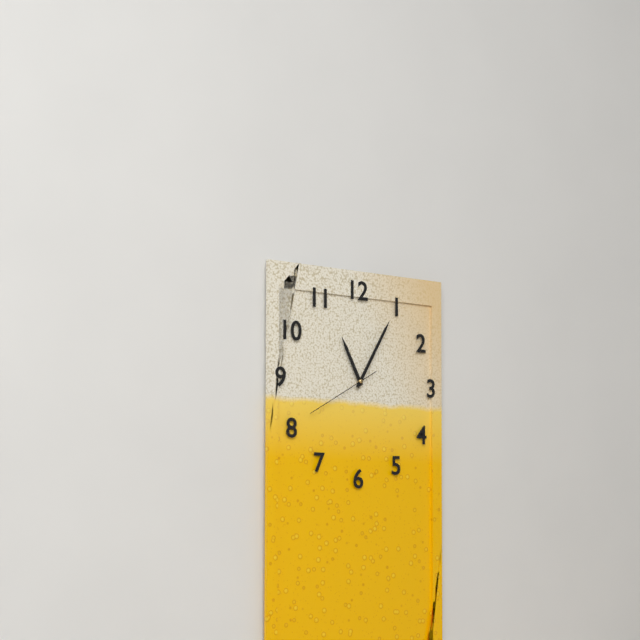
{"hour": 11, "minute": 5, "second": 40}
